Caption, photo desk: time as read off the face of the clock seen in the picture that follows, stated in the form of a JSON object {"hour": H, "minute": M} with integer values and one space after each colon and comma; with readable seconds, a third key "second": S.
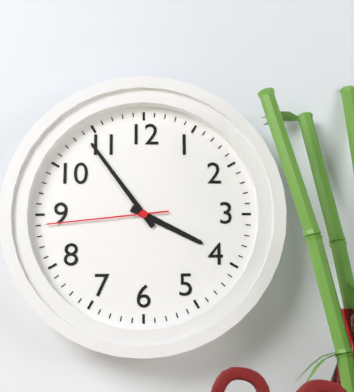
{"hour": 3, "minute": 54, "second": 44}
